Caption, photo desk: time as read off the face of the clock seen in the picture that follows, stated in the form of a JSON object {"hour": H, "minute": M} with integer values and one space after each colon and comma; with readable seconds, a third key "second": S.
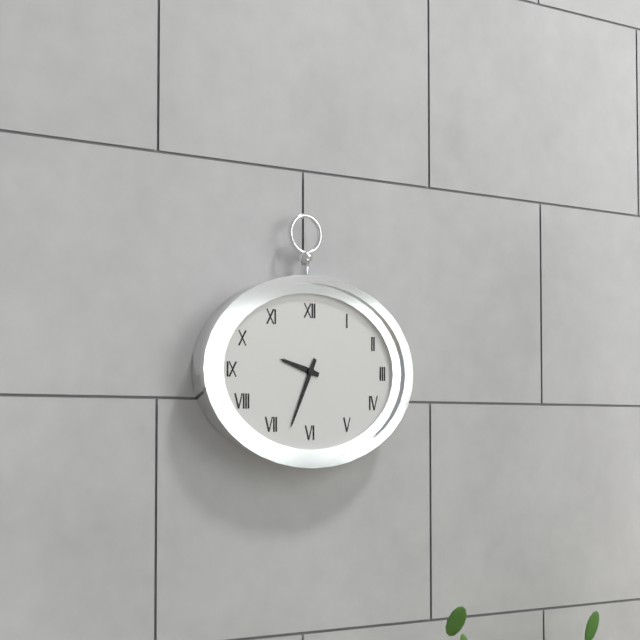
{"hour": 9, "minute": 34}
